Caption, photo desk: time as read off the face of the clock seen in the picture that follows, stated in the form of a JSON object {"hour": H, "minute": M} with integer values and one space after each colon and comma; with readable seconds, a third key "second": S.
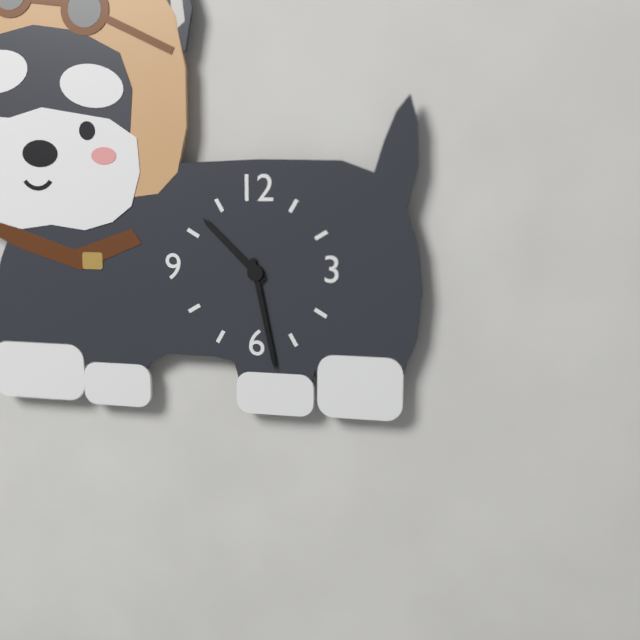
{"hour": 10, "minute": 28}
